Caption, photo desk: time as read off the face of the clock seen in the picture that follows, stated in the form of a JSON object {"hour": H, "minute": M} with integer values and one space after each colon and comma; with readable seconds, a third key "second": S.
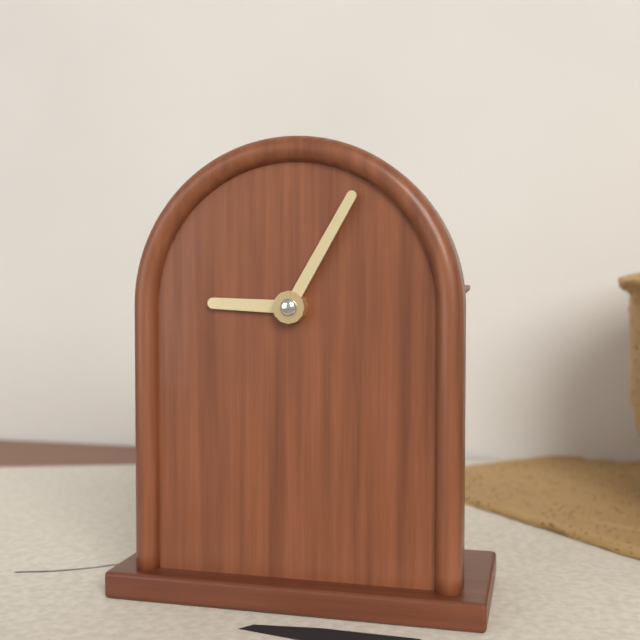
{"hour": 9, "minute": 5}
